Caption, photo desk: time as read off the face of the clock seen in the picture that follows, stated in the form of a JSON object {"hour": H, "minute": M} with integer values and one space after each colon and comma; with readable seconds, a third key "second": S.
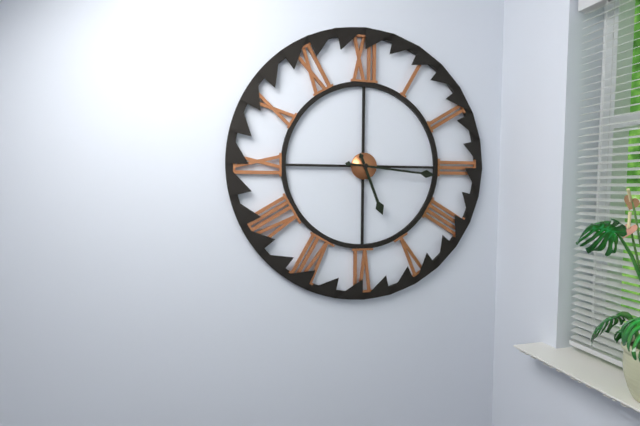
{"hour": 5, "minute": 16}
